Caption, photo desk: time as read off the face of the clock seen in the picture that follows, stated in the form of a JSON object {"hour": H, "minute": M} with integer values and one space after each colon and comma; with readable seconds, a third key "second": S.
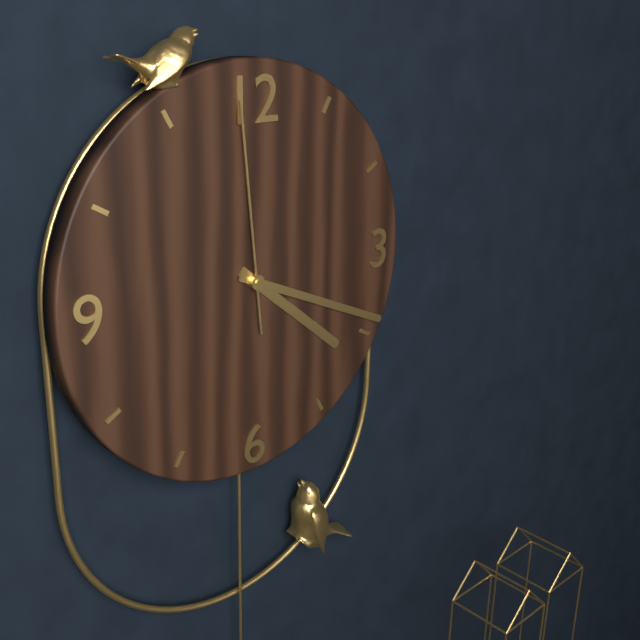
{"hour": 4, "minute": 19, "second": 59}
